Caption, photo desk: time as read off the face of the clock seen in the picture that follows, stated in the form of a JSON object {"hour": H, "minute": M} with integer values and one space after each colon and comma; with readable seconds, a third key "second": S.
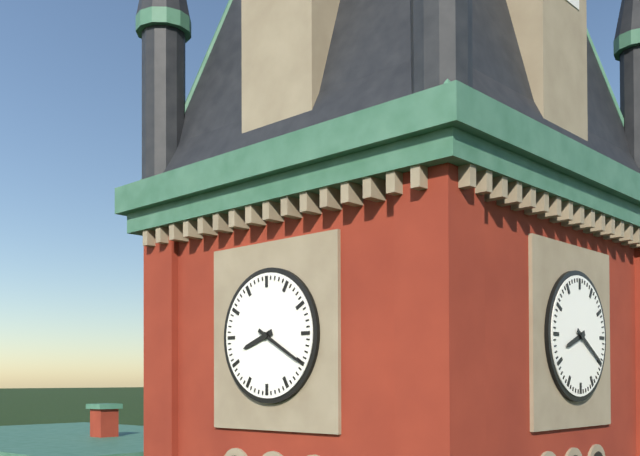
{"hour": 8, "minute": 20}
